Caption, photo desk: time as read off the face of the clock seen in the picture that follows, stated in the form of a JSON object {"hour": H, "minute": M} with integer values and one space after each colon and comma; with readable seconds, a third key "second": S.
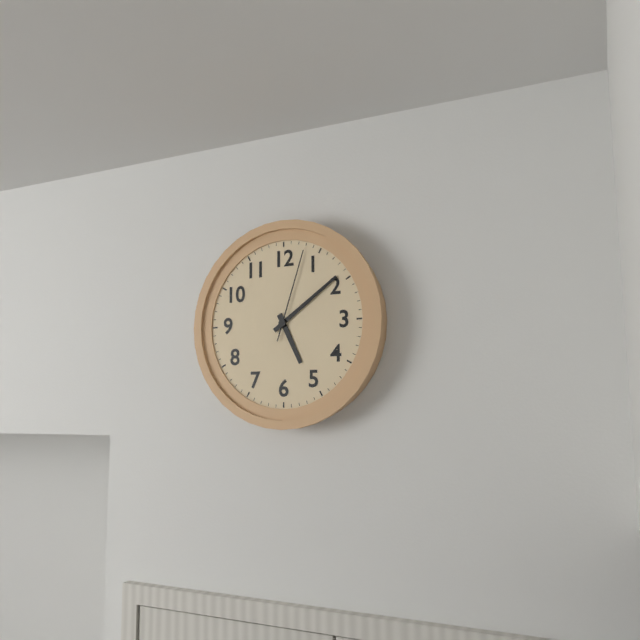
{"hour": 5, "minute": 9, "second": 3}
